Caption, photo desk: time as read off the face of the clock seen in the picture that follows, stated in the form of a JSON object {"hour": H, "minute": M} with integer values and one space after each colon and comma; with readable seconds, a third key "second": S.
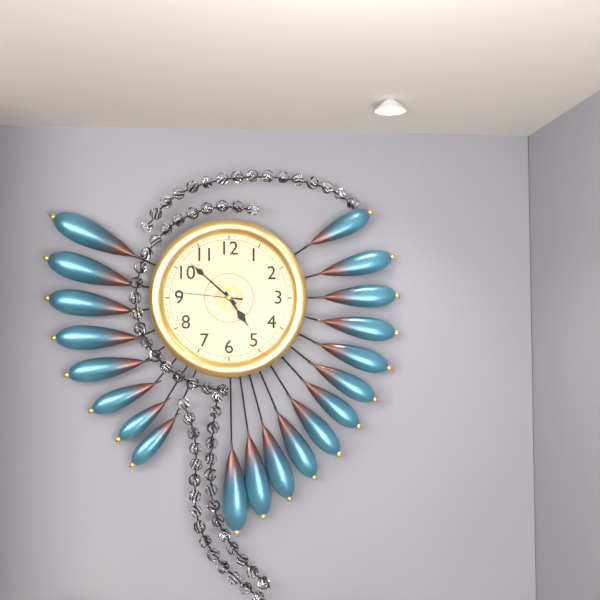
{"hour": 4, "minute": 52, "second": 46}
